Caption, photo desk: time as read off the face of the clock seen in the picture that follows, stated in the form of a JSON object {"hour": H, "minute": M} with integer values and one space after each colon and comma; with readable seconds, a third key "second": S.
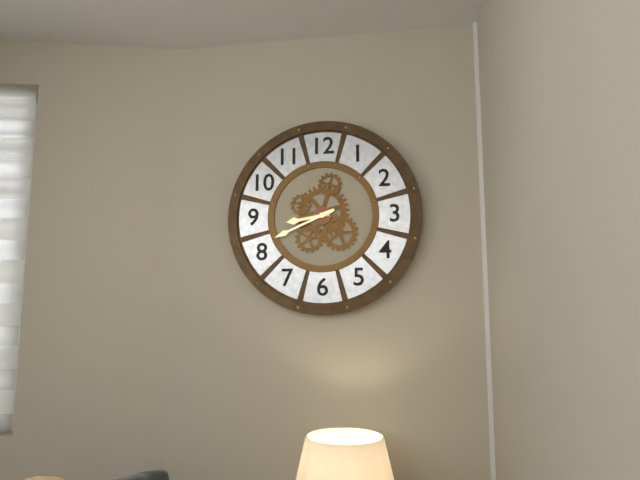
{"hour": 8, "minute": 41}
